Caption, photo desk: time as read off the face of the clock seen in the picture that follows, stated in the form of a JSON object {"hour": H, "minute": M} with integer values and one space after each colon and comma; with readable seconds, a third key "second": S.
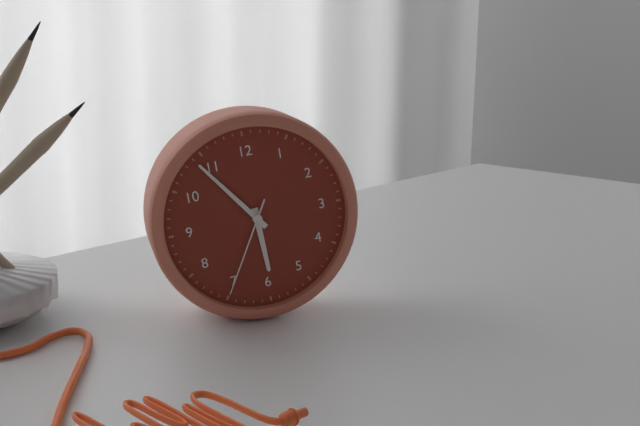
{"hour": 5, "minute": 54, "second": 35}
